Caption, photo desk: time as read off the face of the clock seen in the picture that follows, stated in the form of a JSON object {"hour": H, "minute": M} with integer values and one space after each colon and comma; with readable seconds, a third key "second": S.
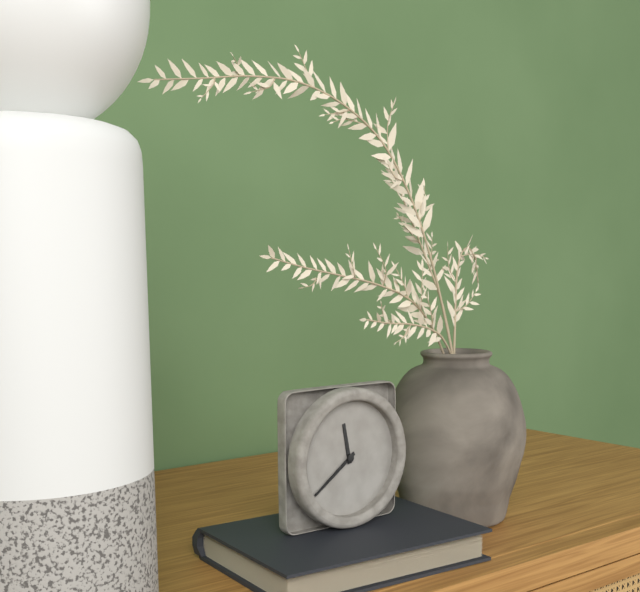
{"hour": 11, "minute": 39}
